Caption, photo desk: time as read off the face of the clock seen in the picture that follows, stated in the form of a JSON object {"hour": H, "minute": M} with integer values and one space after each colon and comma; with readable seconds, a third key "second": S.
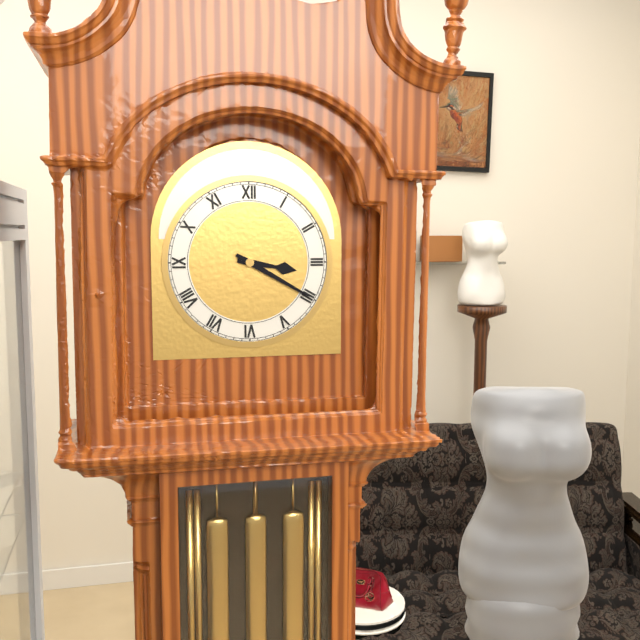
{"hour": 3, "minute": 20}
